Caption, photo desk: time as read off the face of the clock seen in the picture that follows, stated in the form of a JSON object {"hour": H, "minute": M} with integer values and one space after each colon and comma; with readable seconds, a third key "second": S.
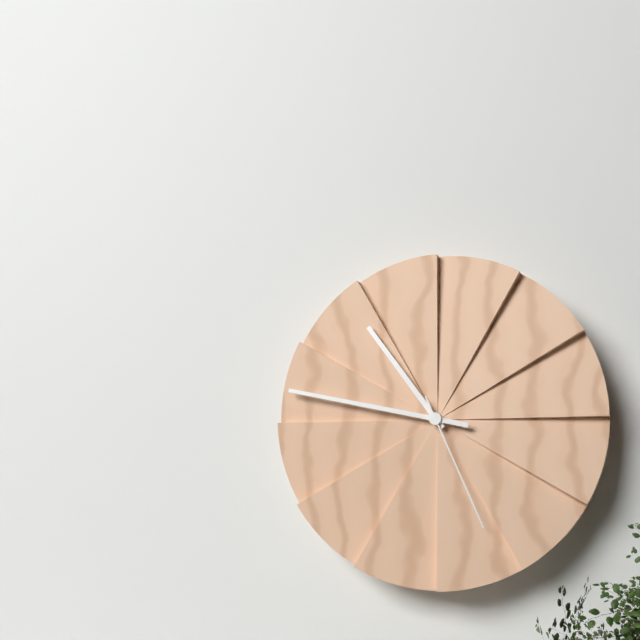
{"hour": 10, "minute": 47, "second": 26}
